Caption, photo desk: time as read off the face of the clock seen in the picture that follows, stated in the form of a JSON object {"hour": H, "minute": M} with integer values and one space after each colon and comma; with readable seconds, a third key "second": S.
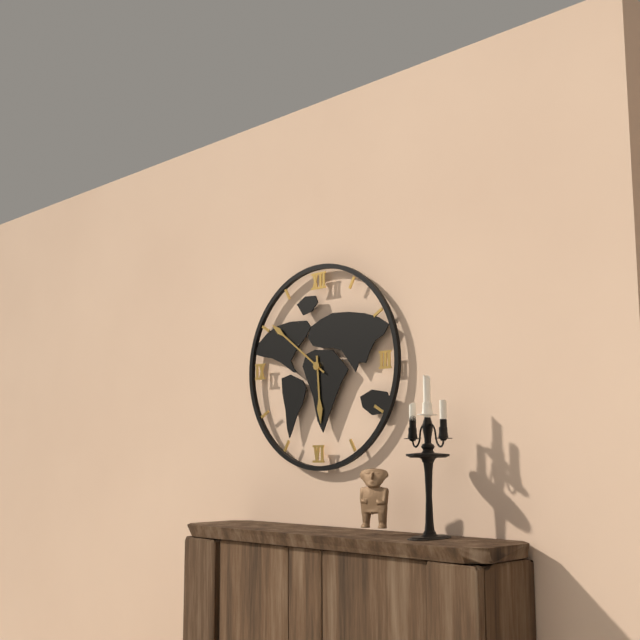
{"hour": 5, "minute": 51}
